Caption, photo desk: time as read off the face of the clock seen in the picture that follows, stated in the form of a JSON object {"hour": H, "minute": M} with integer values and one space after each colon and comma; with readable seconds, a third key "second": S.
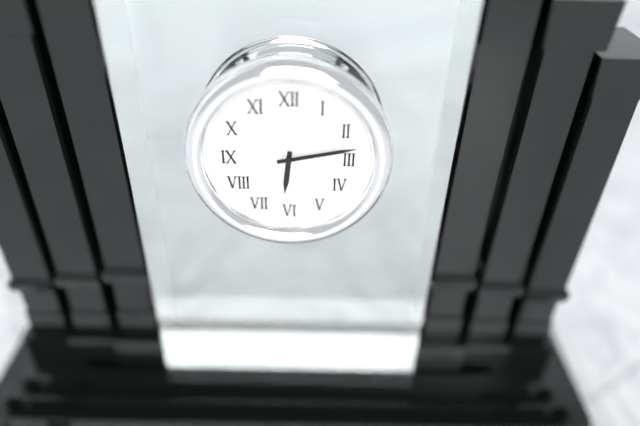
{"hour": 6, "minute": 13}
